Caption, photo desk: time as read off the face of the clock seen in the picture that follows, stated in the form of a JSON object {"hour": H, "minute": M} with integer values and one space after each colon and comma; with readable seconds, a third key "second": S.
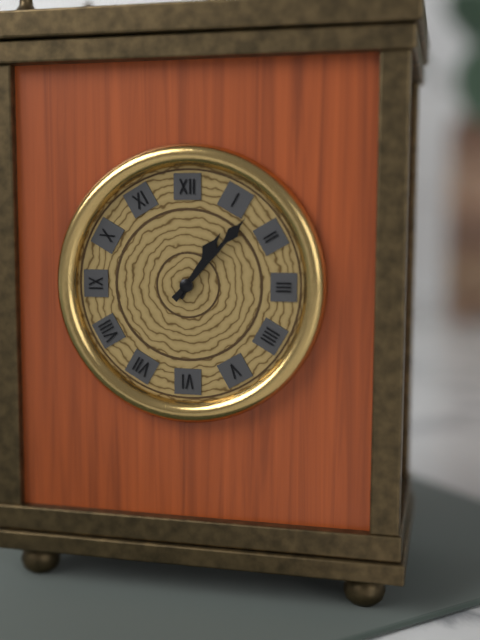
{"hour": 1, "minute": 7}
